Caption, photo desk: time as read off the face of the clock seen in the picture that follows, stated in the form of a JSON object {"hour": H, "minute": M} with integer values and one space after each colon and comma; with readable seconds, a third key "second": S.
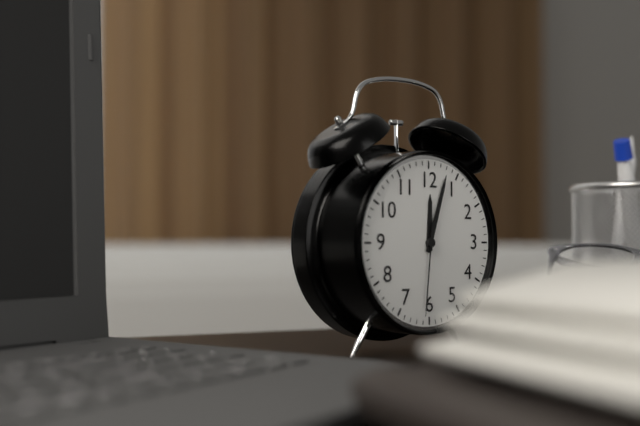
{"hour": 12, "minute": 3, "second": 31}
